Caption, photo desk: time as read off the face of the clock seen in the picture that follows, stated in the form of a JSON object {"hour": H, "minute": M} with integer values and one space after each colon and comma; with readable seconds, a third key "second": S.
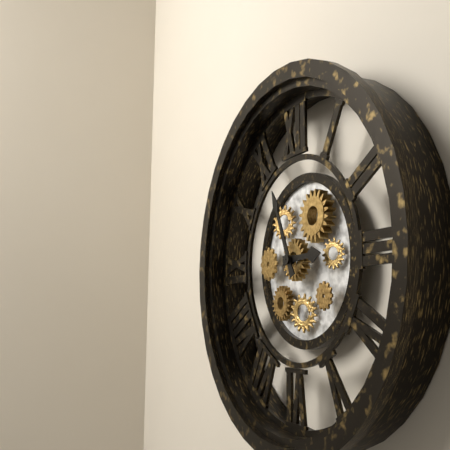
{"hour": 2, "minute": 56}
